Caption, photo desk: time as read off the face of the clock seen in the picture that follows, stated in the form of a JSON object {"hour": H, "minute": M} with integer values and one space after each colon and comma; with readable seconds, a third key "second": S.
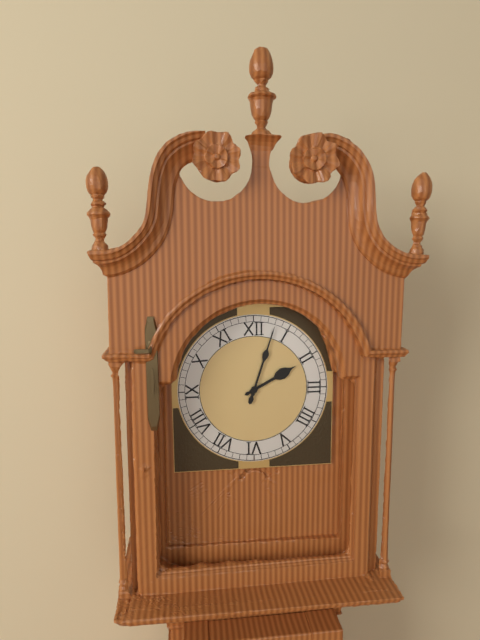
{"hour": 2, "minute": 3}
